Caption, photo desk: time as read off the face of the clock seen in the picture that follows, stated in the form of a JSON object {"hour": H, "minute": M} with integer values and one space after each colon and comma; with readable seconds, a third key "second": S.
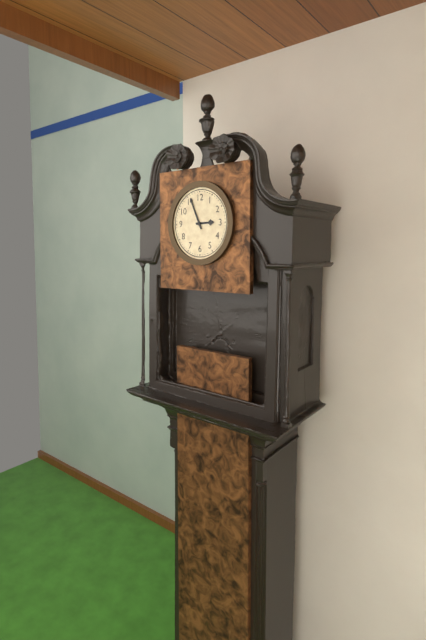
{"hour": 2, "minute": 56}
